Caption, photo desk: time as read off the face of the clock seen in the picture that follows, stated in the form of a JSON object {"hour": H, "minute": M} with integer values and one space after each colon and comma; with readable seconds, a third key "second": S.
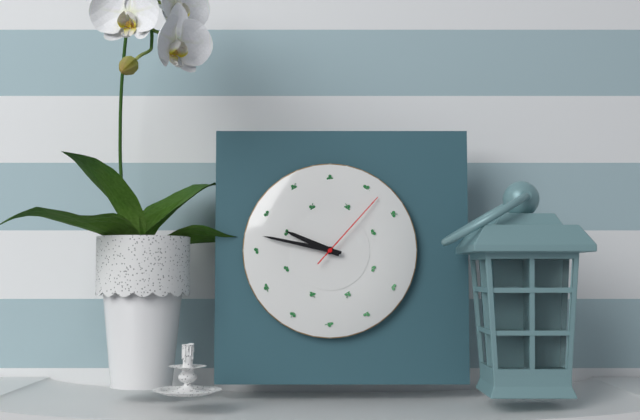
{"hour": 9, "minute": 47, "second": 7}
